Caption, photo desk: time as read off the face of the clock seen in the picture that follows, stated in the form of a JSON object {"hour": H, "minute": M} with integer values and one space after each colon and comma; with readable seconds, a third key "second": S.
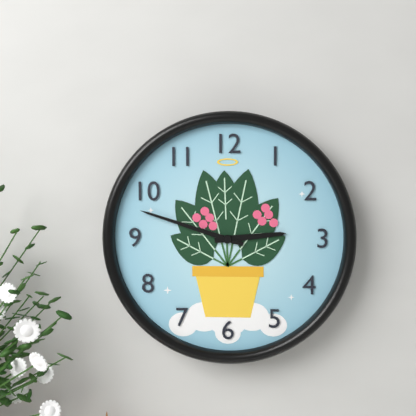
{"hour": 2, "minute": 48}
